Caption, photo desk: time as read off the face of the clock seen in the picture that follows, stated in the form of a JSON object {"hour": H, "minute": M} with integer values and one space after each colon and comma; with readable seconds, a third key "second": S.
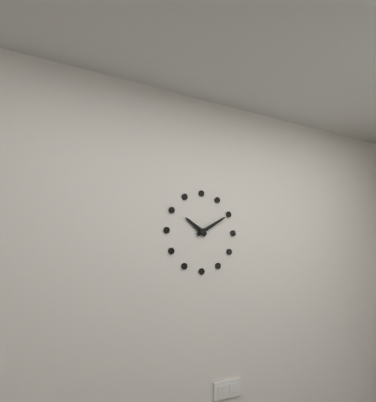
{"hour": 10, "minute": 10}
